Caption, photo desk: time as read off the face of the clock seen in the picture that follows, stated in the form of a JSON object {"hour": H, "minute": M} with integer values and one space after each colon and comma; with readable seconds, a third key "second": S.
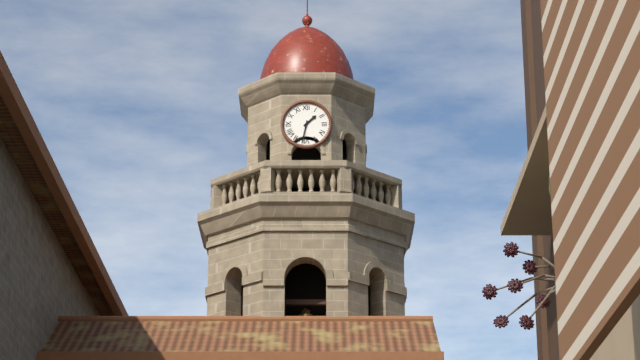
{"hour": 1, "minute": 32}
